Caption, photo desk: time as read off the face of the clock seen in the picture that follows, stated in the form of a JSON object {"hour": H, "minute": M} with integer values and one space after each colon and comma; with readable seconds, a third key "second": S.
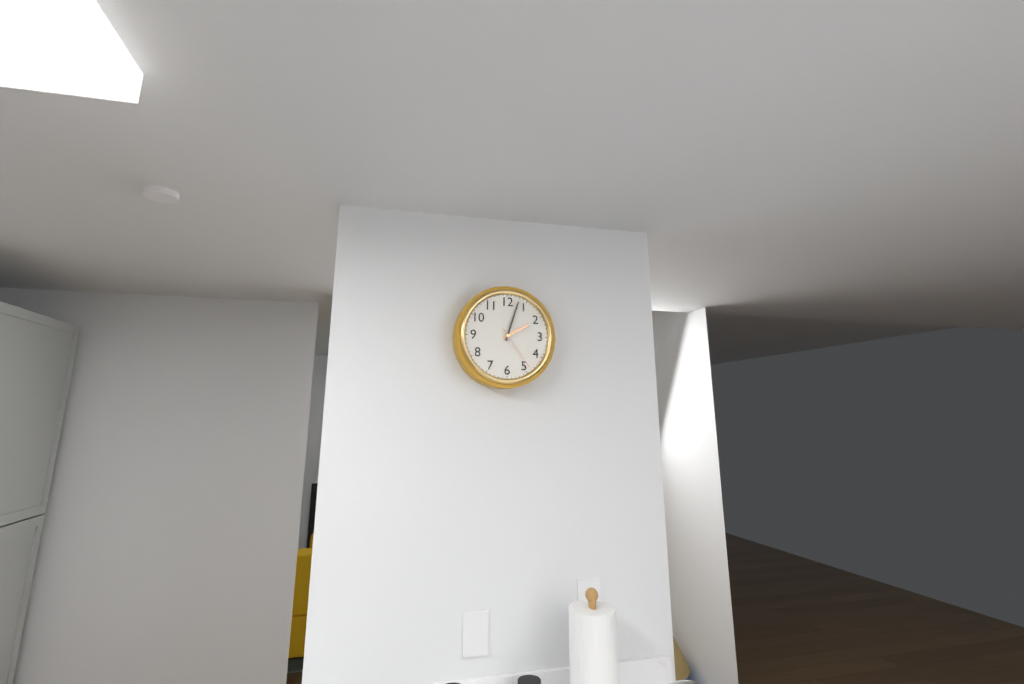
{"hour": 2, "minute": 3}
